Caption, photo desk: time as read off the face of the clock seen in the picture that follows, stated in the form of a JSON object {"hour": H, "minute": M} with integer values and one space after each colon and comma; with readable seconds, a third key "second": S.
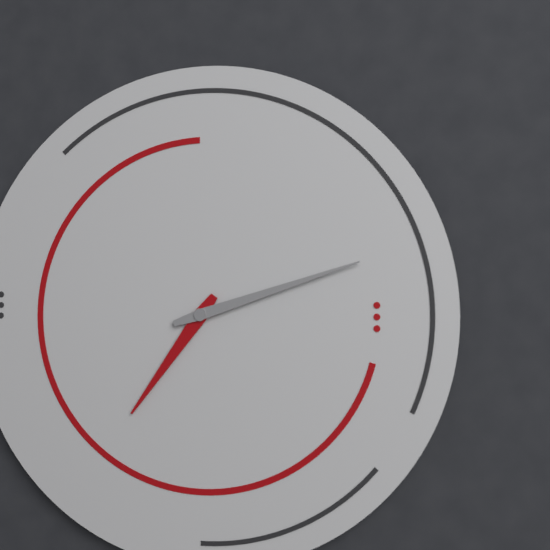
{"hour": 7, "minute": 12}
